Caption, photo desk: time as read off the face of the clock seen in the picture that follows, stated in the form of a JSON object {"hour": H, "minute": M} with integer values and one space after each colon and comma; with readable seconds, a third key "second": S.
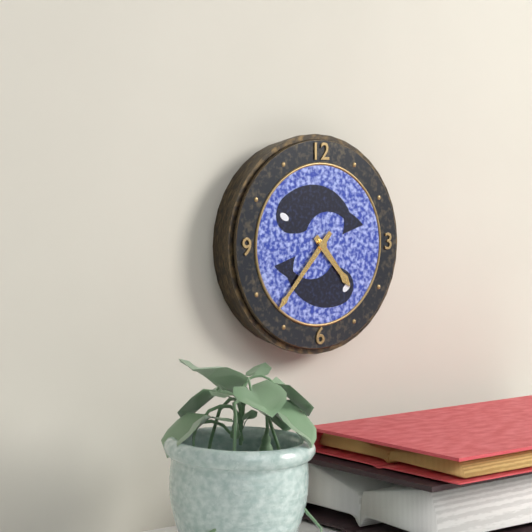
{"hour": 4, "minute": 37}
